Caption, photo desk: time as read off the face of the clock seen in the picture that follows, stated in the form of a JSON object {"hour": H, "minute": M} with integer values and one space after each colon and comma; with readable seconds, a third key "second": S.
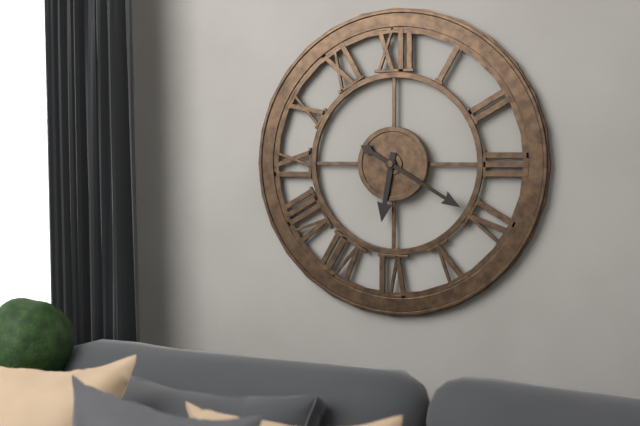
{"hour": 6, "minute": 20}
